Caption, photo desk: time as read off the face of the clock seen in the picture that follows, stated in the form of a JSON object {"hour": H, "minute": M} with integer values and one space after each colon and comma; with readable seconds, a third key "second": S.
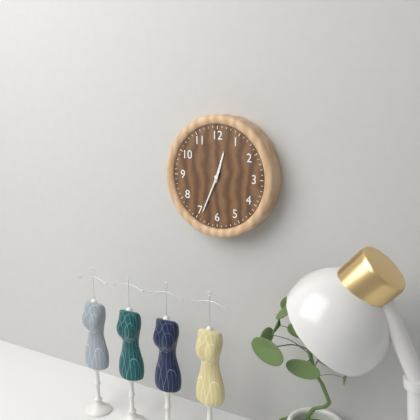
{"hour": 12, "minute": 34}
